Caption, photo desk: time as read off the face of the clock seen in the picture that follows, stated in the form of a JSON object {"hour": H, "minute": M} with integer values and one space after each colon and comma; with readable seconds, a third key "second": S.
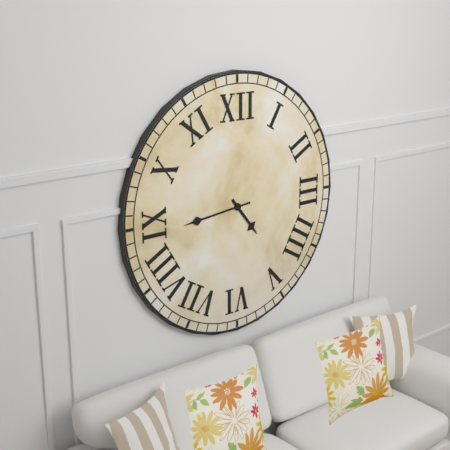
{"hour": 4, "minute": 44}
